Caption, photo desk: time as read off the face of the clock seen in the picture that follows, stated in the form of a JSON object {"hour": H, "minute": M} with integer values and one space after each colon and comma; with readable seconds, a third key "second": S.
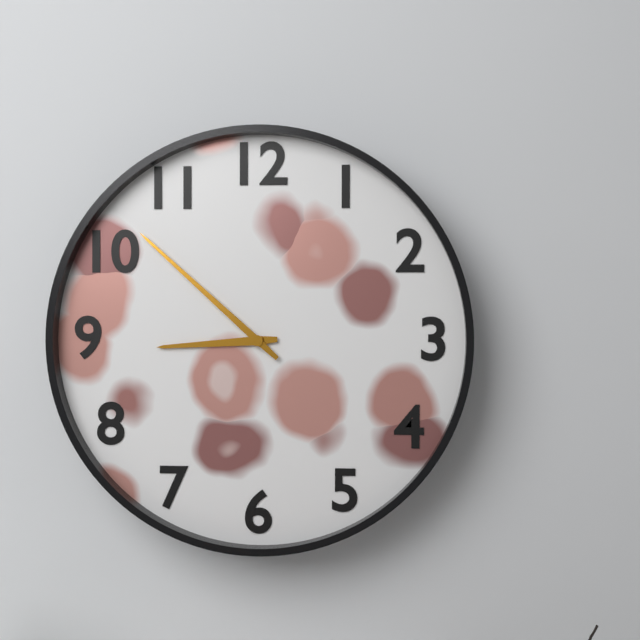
{"hour": 8, "minute": 52}
